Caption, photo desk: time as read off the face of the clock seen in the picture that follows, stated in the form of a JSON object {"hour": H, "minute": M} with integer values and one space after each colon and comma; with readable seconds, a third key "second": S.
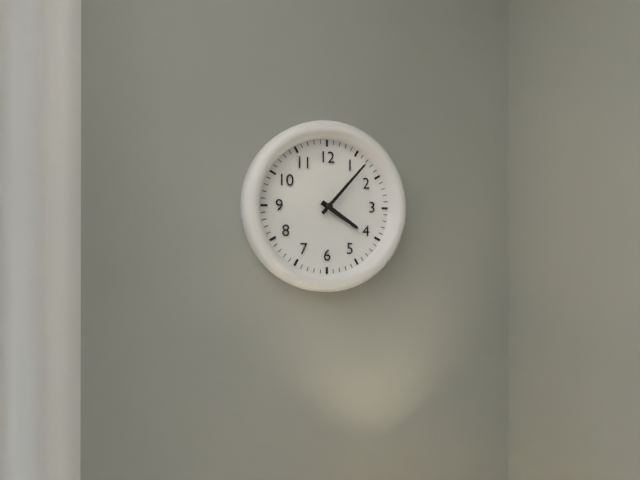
{"hour": 4, "minute": 7}
